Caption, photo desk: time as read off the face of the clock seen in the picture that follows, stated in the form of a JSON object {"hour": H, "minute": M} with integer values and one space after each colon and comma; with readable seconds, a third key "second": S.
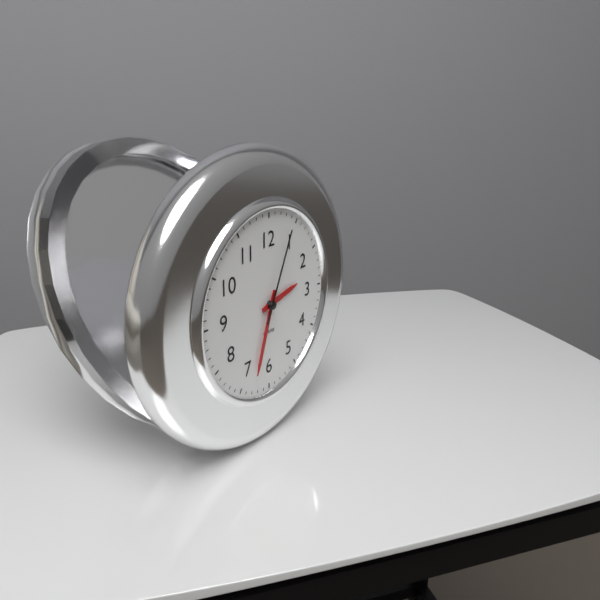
{"hour": 2, "minute": 33, "second": 4}
